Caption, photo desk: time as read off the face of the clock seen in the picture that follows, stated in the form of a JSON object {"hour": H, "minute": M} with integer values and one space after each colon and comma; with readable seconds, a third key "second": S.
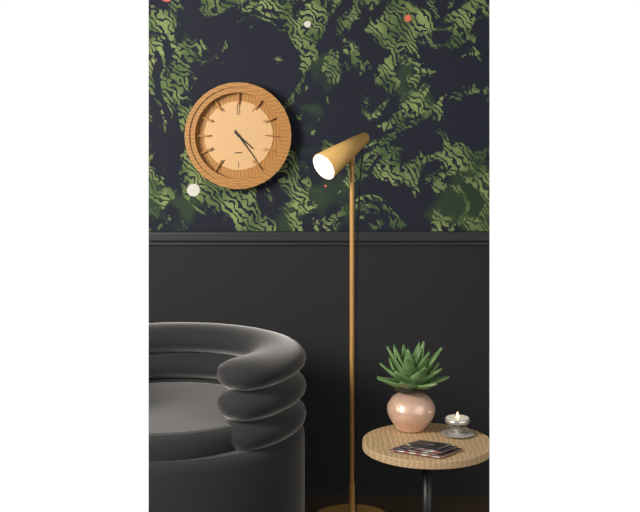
{"hour": 4, "minute": 24}
